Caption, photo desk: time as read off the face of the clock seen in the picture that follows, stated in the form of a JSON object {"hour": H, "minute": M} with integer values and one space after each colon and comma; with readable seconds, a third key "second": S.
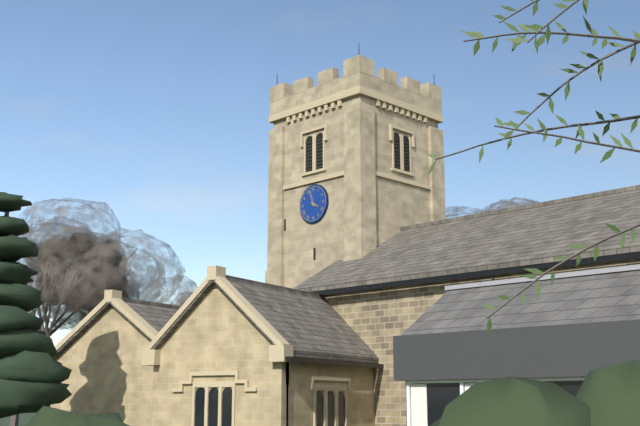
{"hour": 3, "minute": 57}
